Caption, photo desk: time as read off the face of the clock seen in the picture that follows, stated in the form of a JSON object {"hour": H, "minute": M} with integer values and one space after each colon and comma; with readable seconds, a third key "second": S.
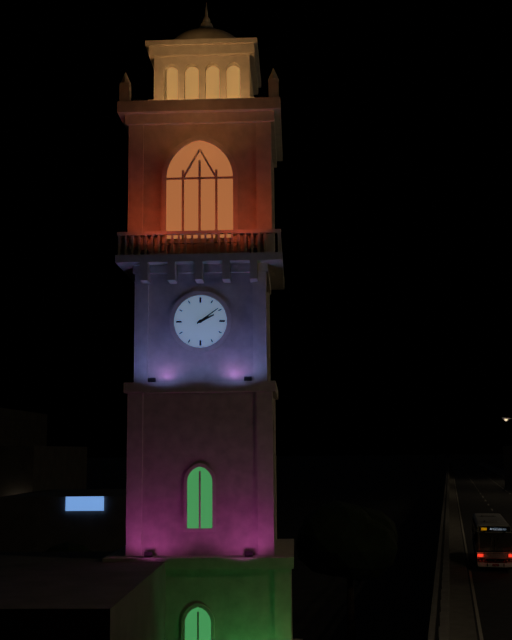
{"hour": 2, "minute": 9}
